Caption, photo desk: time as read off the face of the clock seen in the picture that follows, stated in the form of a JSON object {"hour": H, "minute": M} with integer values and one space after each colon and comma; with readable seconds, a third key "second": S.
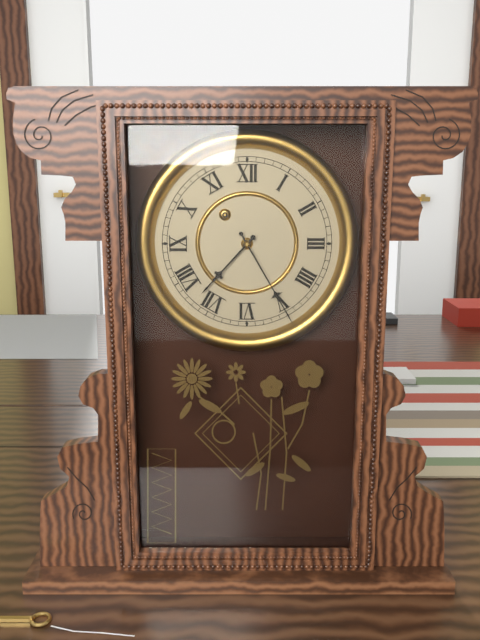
{"hour": 7, "minute": 25}
